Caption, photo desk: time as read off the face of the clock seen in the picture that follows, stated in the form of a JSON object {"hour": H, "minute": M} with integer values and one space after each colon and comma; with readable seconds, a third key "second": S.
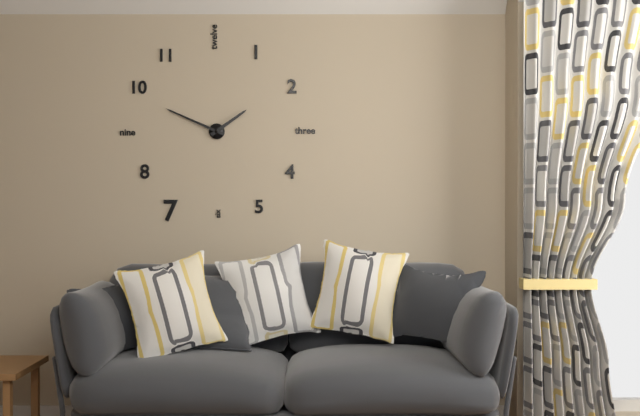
{"hour": 1, "minute": 49}
